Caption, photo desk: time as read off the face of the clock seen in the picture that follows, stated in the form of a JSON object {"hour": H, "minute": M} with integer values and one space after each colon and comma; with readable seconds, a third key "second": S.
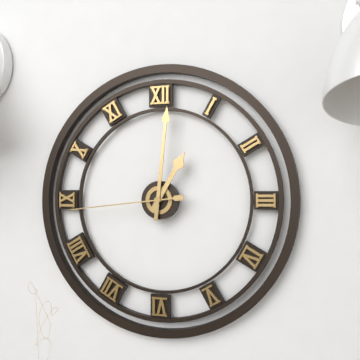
{"hour": 1, "minute": 1, "second": 44}
